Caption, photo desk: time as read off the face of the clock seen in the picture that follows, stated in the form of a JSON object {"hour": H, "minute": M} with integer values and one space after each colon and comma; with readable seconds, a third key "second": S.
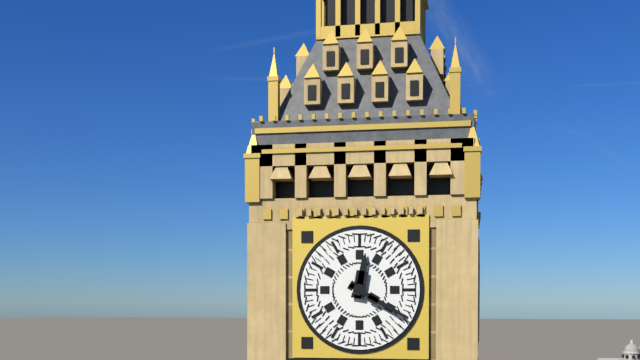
{"hour": 12, "minute": 20}
